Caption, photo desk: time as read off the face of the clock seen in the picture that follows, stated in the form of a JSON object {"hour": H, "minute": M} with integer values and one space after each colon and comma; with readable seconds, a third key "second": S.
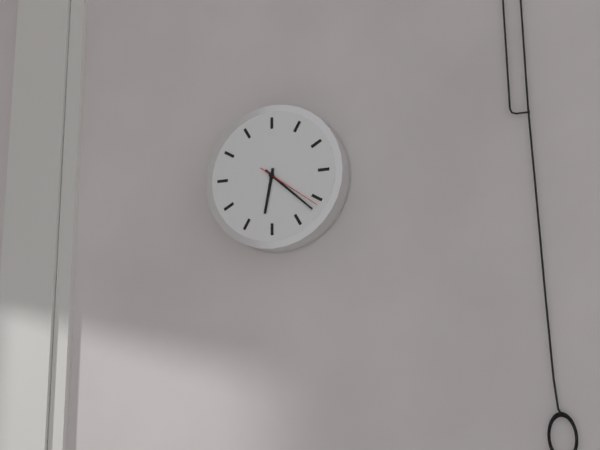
{"hour": 6, "minute": 22, "second": 21}
